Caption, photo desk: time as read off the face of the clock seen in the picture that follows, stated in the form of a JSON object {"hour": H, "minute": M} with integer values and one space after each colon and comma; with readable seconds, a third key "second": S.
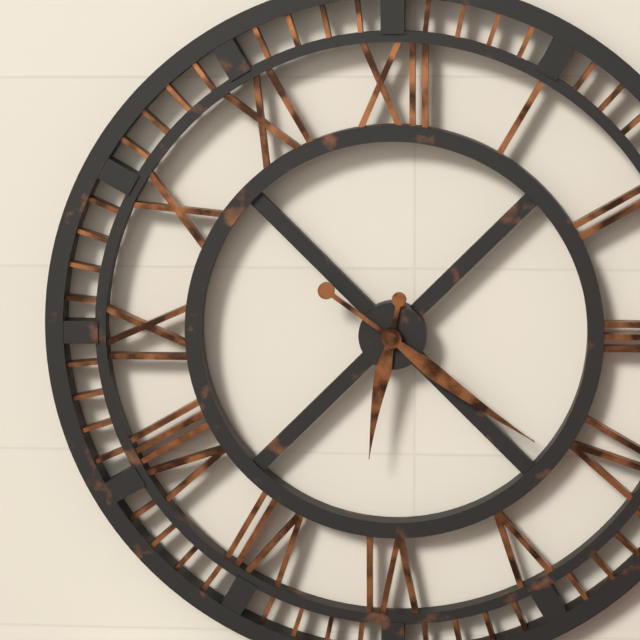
{"hour": 6, "minute": 21}
